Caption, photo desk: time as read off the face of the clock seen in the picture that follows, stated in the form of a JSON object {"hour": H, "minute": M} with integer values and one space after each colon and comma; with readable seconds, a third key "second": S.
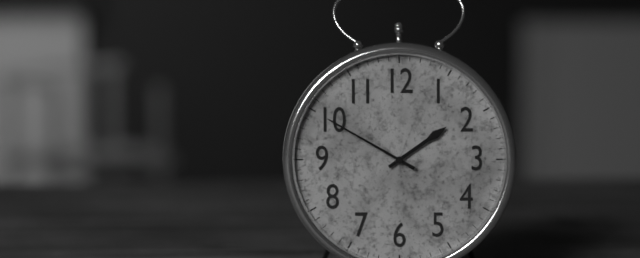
{"hour": 1, "minute": 50}
